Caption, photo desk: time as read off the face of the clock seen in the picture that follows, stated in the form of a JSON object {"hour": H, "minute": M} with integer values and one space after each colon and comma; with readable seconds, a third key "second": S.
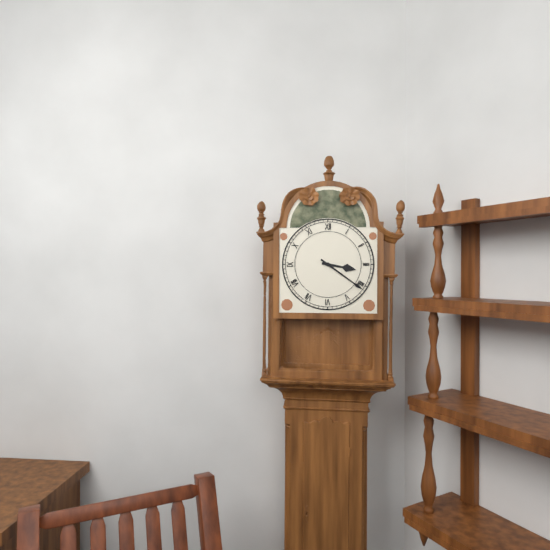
{"hour": 3, "minute": 21}
